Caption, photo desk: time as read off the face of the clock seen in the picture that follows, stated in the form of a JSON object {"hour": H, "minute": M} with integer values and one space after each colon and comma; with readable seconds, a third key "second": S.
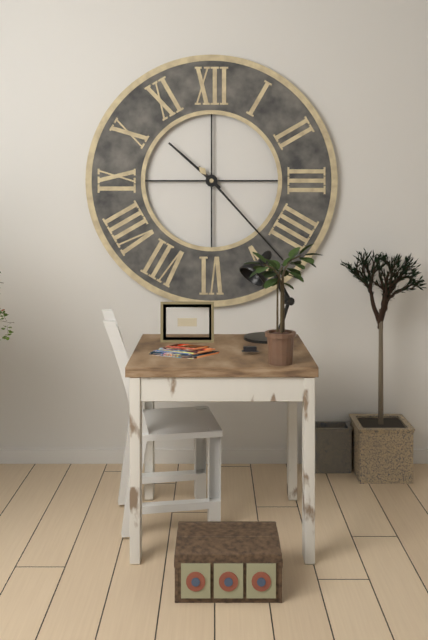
{"hour": 10, "minute": 23}
